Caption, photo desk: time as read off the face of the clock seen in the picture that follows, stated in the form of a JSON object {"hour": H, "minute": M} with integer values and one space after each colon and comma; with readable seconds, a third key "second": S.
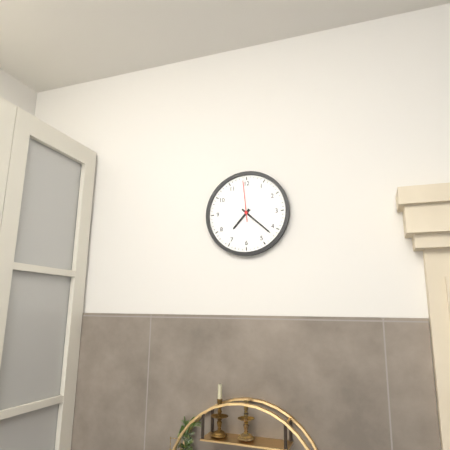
{"hour": 7, "minute": 22}
